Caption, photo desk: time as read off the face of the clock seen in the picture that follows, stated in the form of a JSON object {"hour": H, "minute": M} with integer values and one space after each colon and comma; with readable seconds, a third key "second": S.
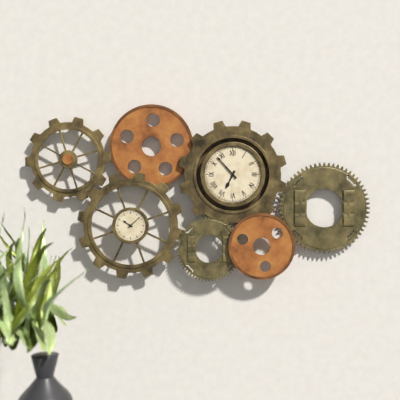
{"hour": 6, "minute": 53}
